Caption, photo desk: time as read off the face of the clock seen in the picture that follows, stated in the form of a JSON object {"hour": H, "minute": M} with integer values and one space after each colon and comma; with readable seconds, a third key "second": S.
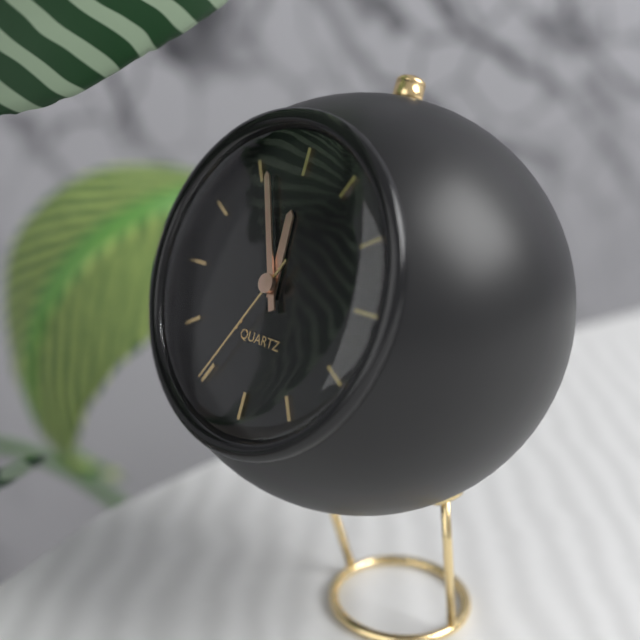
{"hour": 11, "minute": 56, "second": 35}
